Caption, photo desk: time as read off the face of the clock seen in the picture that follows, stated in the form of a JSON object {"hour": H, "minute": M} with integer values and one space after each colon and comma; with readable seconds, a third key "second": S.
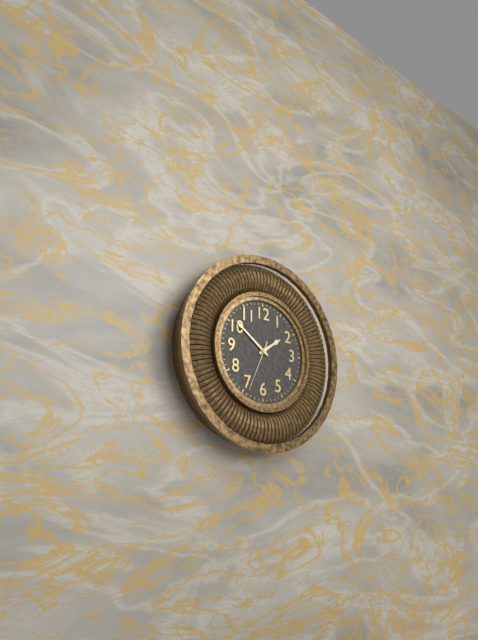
{"hour": 1, "minute": 51, "second": 34}
